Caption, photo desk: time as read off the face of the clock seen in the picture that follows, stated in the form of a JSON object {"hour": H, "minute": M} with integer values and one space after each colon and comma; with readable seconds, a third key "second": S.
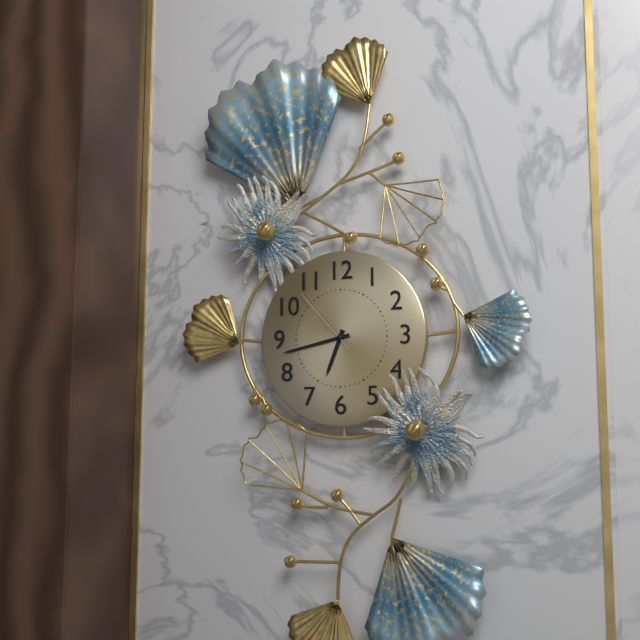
{"hour": 6, "minute": 43, "second": 53}
